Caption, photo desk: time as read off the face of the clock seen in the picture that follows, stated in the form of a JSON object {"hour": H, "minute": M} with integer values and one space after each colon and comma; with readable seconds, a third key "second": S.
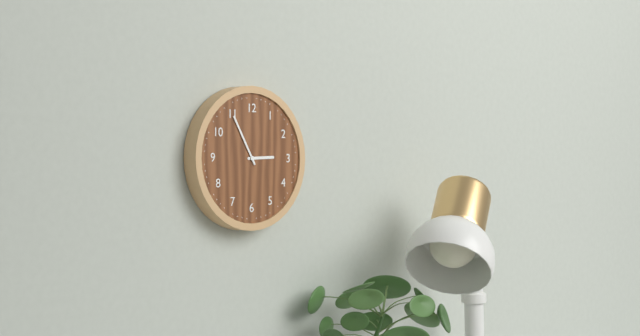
{"hour": 2, "minute": 55}
